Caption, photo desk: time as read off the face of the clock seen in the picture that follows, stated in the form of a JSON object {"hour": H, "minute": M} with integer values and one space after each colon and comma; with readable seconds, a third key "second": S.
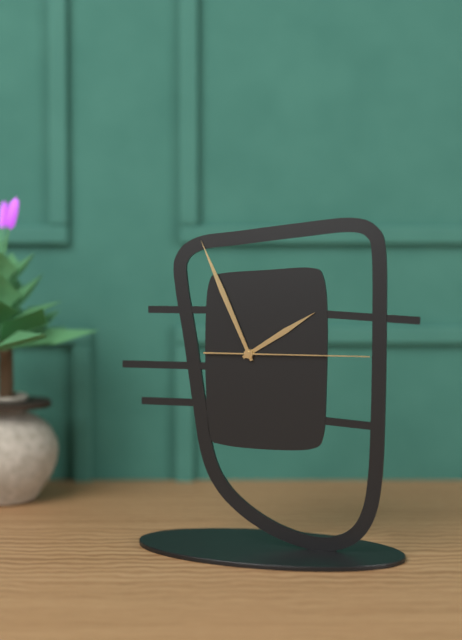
{"hour": 1, "minute": 56, "second": 15}
